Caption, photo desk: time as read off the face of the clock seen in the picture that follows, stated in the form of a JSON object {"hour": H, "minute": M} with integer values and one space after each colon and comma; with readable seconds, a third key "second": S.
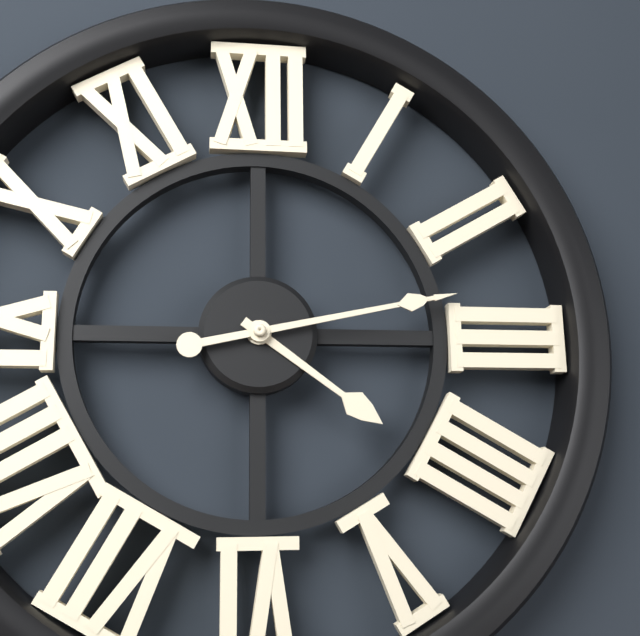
{"hour": 4, "minute": 13}
